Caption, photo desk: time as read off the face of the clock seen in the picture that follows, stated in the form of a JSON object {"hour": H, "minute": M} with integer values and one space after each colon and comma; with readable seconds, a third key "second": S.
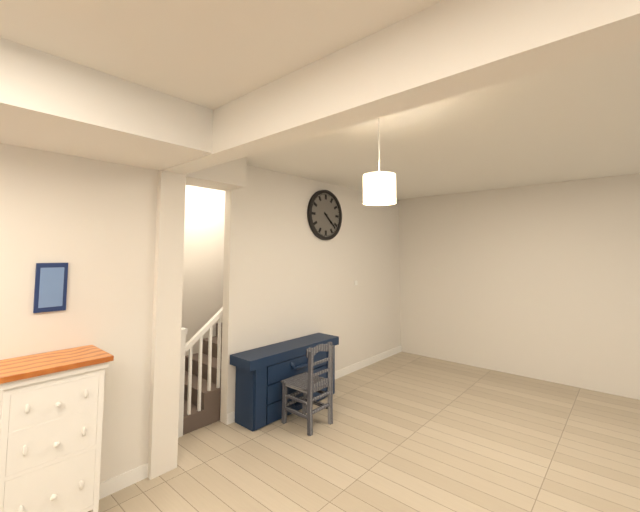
{"hour": 4, "minute": 22}
